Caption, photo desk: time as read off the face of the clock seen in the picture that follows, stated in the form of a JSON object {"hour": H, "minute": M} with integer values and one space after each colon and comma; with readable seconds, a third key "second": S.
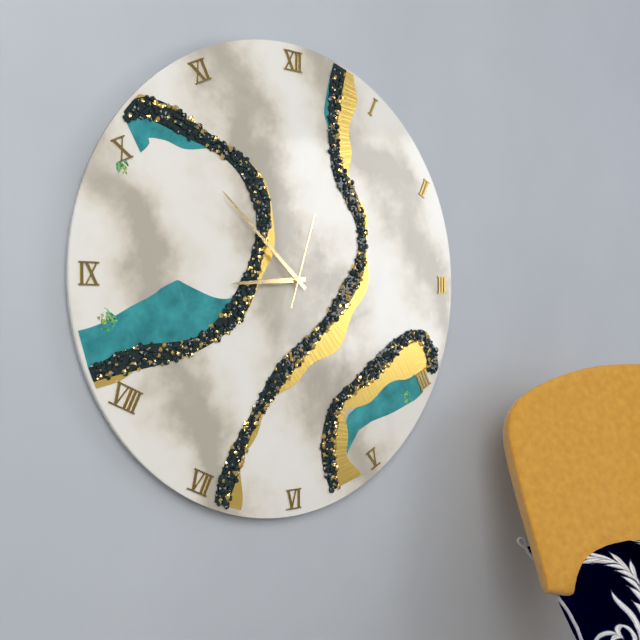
{"hour": 8, "minute": 52, "second": 3}
